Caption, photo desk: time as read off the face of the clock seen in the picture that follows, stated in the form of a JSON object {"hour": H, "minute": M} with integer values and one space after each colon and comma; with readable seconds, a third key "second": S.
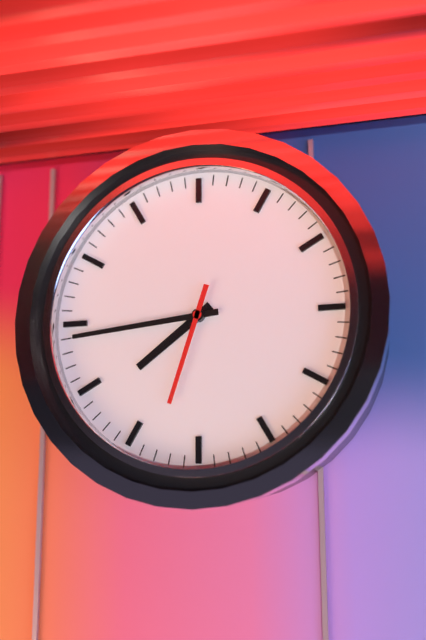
{"hour": 7, "minute": 44, "second": 33}
